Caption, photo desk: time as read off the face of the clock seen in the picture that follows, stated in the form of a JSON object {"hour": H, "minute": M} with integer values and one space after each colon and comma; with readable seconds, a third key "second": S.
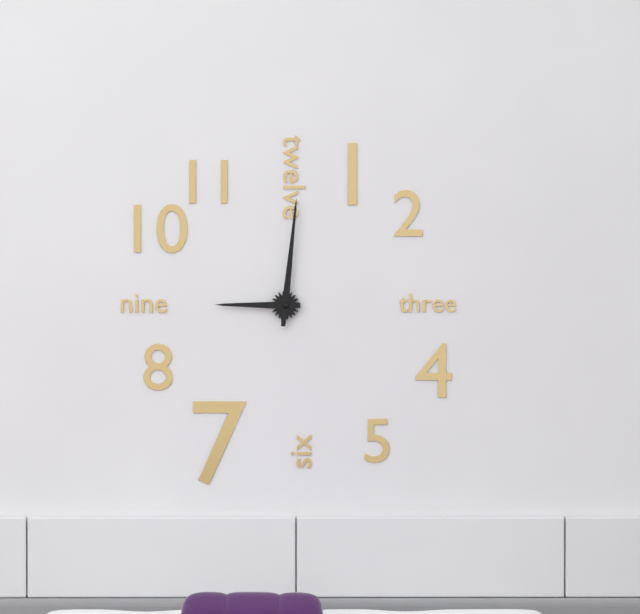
{"hour": 9, "minute": 1}
